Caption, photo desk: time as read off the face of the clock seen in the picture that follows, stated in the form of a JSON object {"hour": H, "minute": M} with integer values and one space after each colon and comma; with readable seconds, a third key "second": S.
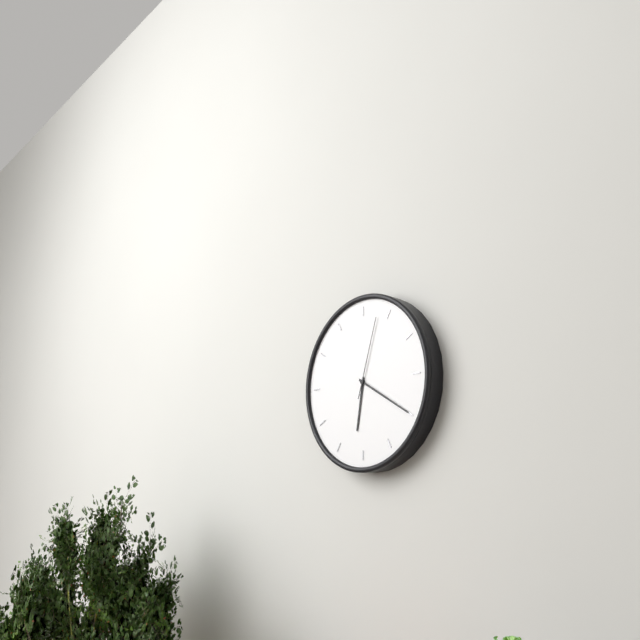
{"hour": 6, "minute": 20, "second": 3}
